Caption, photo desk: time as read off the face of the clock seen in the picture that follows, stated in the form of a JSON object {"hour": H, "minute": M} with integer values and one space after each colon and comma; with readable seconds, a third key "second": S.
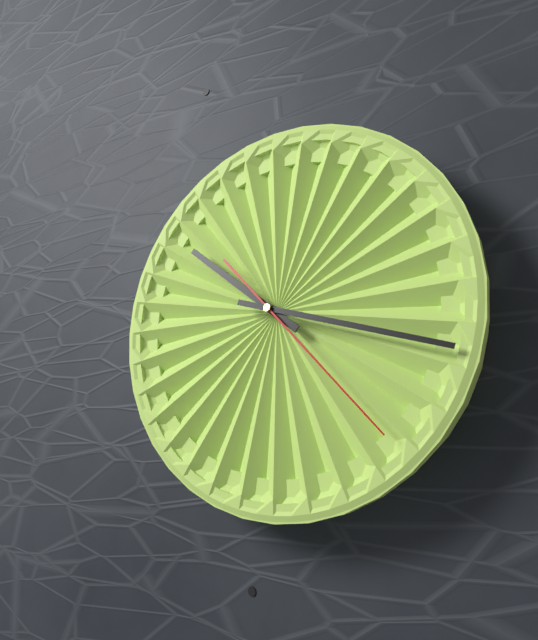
{"hour": 10, "minute": 18, "second": 23}
